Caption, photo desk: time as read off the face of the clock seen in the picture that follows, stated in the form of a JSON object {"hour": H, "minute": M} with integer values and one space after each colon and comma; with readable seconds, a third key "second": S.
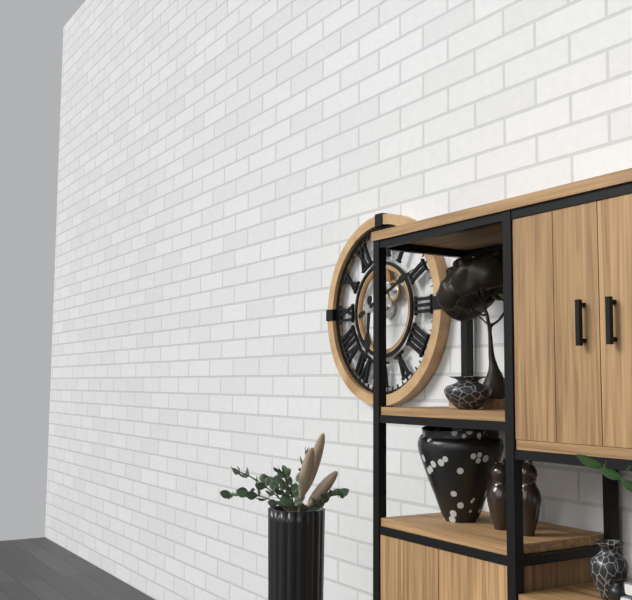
{"hour": 6, "minute": 11}
